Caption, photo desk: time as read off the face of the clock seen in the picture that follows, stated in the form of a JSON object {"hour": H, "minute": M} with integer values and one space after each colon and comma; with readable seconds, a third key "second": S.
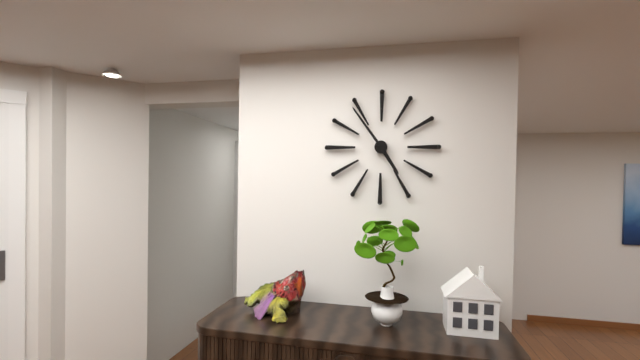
{"hour": 4, "minute": 54}
